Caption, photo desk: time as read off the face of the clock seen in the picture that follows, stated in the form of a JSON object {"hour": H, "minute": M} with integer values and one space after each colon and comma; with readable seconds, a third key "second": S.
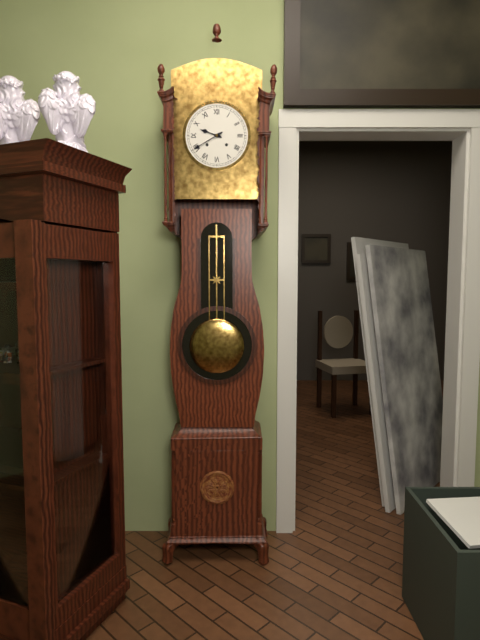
{"hour": 9, "minute": 40}
